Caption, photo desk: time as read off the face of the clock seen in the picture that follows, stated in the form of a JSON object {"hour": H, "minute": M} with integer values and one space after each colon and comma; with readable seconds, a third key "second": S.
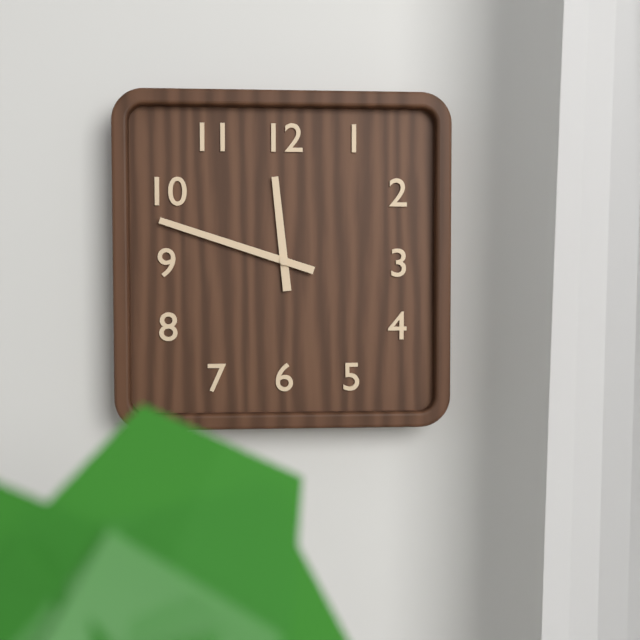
{"hour": 11, "minute": 48}
